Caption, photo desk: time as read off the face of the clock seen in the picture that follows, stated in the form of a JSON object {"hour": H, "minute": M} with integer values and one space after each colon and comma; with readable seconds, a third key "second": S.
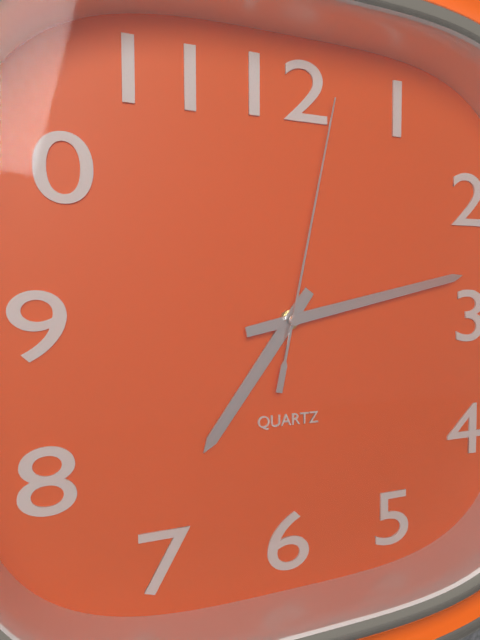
{"hour": 7, "minute": 13, "second": 2}
